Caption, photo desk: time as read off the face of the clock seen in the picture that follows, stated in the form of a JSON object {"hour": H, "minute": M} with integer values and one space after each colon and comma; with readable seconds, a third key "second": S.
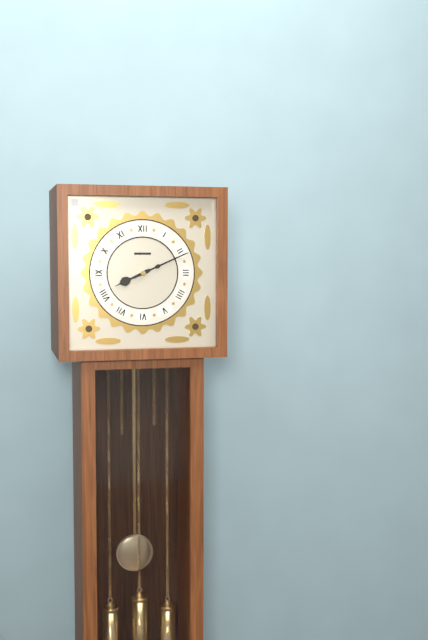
{"hour": 8, "minute": 11}
